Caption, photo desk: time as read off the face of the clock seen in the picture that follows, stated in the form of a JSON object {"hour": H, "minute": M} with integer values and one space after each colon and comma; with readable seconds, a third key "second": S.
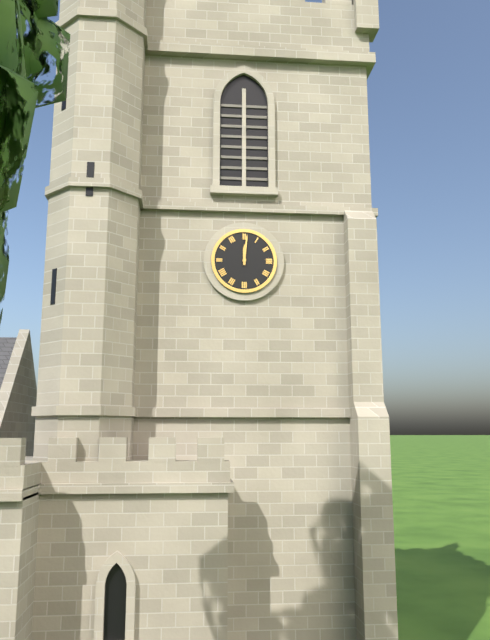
{"hour": 12, "minute": 1}
